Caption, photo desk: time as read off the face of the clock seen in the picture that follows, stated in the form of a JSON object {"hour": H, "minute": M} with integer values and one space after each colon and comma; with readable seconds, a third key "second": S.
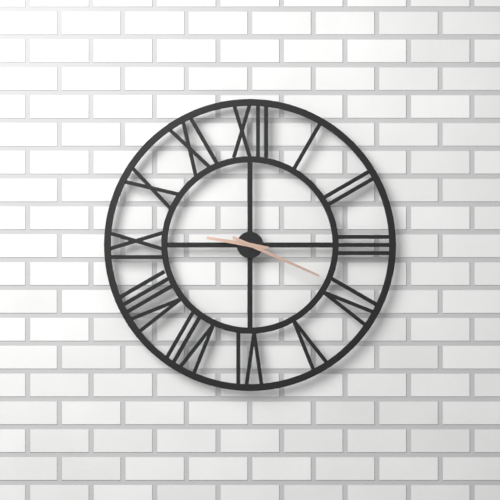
{"hour": 9, "minute": 19}
